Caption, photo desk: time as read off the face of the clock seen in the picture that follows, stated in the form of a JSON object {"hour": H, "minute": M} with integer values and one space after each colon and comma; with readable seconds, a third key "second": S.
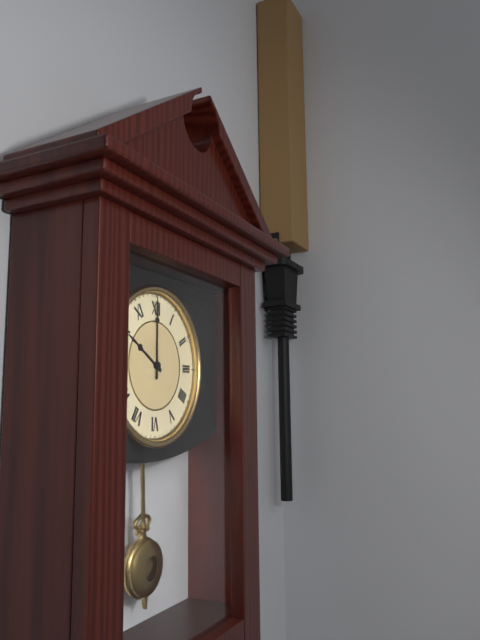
{"hour": 10, "minute": 0}
